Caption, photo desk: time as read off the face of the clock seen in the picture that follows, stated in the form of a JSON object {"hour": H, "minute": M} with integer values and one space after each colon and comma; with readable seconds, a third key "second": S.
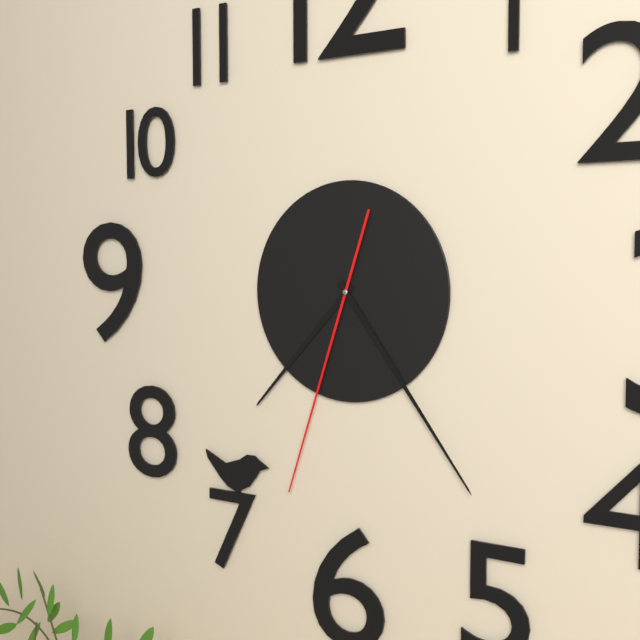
{"hour": 7, "minute": 24, "second": 33}
